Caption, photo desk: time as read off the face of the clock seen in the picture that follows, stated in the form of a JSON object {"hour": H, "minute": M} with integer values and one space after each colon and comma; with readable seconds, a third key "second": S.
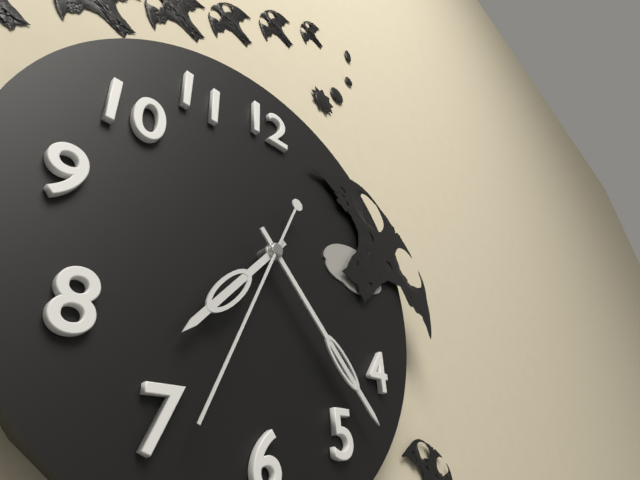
{"hour": 7, "minute": 23, "second": 34}
